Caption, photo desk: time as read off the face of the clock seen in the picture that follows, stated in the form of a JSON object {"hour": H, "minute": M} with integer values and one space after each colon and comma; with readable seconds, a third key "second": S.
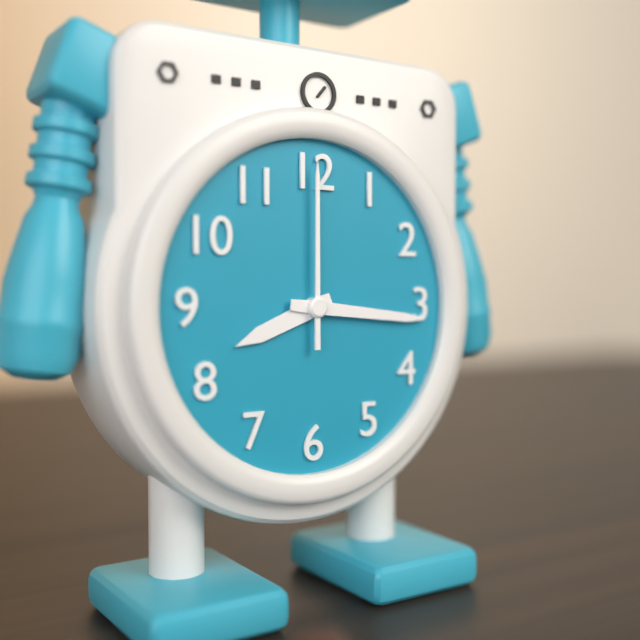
{"hour": 8, "minute": 16, "second": 0}
